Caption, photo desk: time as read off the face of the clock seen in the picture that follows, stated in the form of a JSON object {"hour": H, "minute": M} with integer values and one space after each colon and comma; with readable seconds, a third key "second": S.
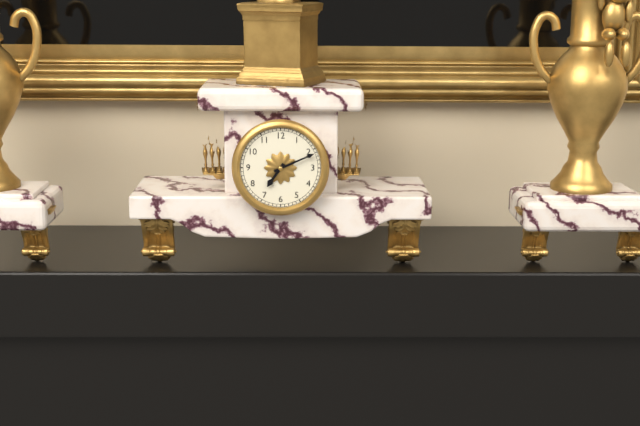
{"hour": 7, "minute": 11}
